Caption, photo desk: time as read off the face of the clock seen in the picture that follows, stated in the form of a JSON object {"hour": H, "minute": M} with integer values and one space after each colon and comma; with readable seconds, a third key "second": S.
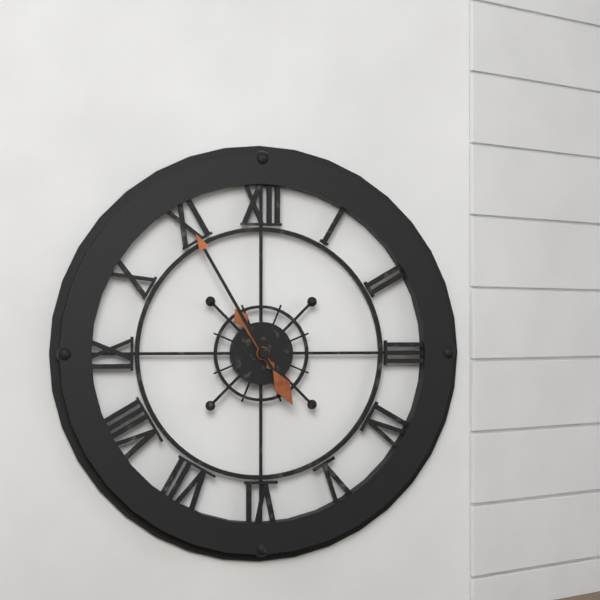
{"hour": 10, "minute": 55}
